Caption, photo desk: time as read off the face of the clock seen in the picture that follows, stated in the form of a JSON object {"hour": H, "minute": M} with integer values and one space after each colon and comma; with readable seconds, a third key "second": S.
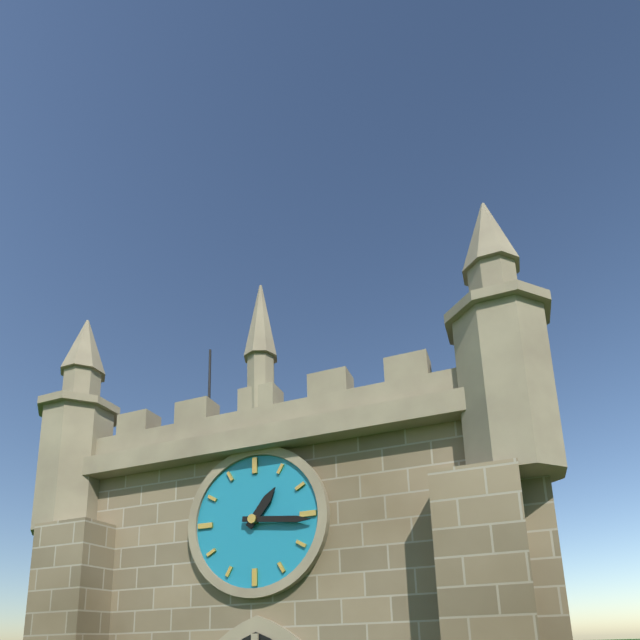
{"hour": 1, "minute": 16}
